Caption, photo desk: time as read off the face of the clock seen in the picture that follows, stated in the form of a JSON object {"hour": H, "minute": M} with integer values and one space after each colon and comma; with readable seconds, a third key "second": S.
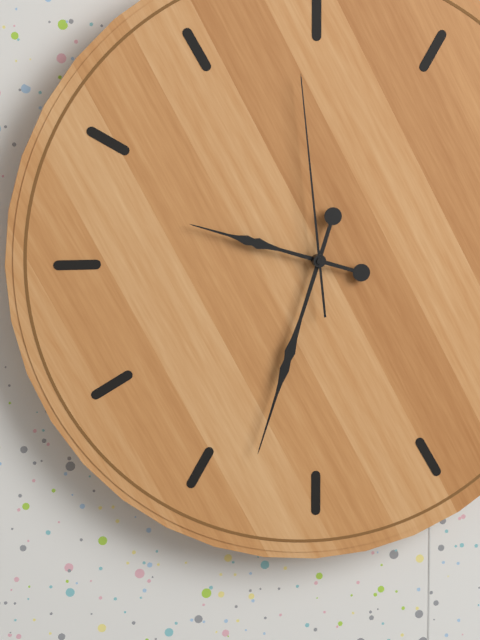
{"hour": 9, "minute": 33, "second": 59}
